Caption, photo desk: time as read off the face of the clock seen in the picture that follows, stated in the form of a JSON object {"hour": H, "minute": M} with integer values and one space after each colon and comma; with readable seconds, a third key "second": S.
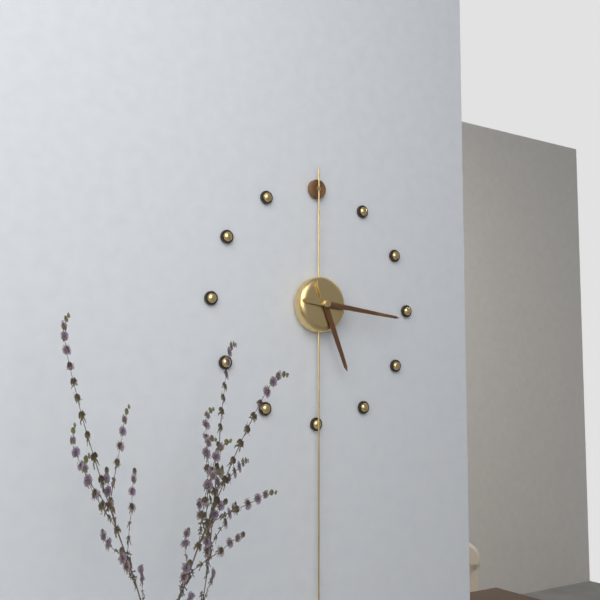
{"hour": 5, "minute": 16}
